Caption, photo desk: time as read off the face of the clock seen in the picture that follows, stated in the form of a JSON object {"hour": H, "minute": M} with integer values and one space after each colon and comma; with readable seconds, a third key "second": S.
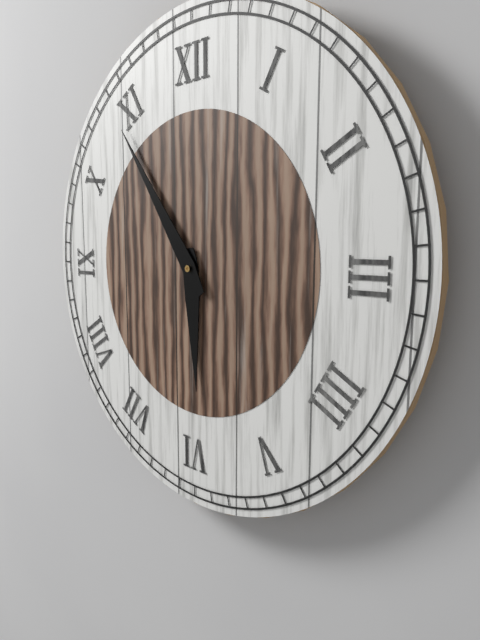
{"hour": 5, "minute": 54}
